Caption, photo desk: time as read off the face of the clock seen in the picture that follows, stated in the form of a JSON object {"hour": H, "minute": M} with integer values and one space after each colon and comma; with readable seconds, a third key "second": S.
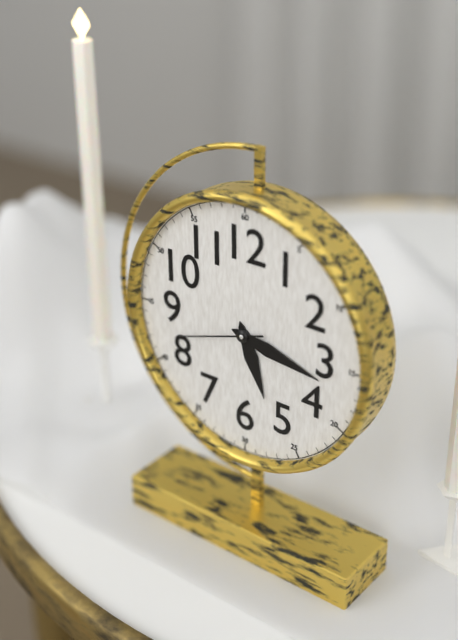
{"hour": 5, "minute": 17, "second": 42}
